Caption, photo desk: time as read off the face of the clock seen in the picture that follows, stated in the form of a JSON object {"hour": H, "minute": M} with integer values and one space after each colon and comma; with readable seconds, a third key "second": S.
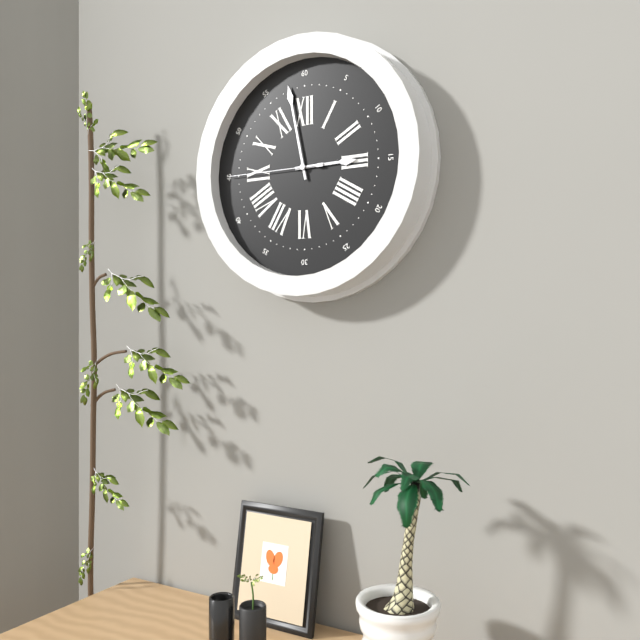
{"hour": 2, "minute": 58, "second": 45}
